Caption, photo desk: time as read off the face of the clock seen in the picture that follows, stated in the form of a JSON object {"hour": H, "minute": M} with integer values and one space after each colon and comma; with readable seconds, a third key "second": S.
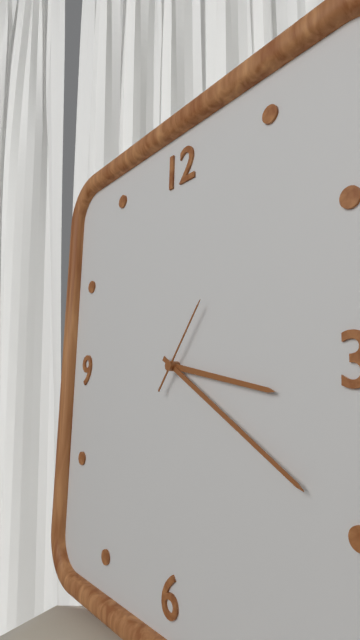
{"hour": 3, "minute": 20, "second": 6}
